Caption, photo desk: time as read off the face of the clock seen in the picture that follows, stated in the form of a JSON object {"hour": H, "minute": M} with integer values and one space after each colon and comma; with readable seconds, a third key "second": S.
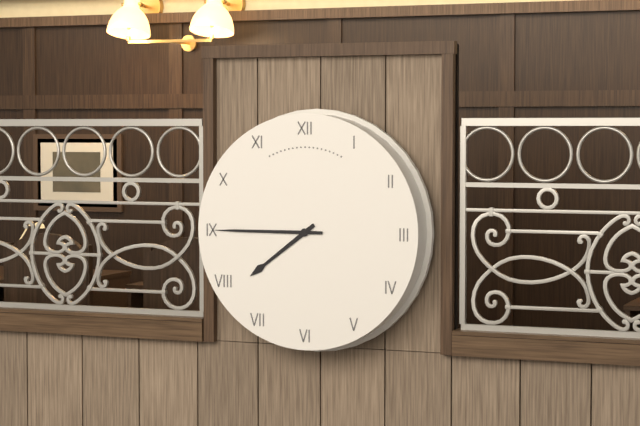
{"hour": 7, "minute": 45}
